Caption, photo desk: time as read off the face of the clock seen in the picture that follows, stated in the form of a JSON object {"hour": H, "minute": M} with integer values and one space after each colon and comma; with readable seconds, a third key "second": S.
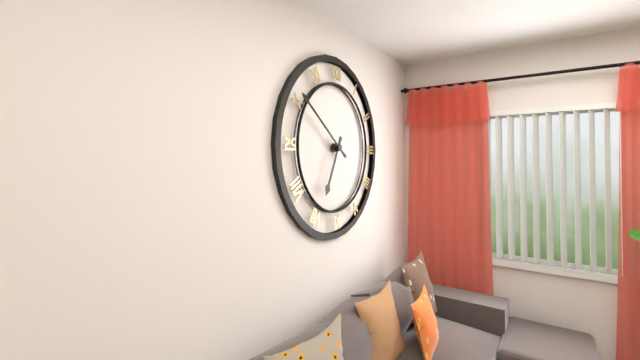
{"hour": 6, "minute": 51}
